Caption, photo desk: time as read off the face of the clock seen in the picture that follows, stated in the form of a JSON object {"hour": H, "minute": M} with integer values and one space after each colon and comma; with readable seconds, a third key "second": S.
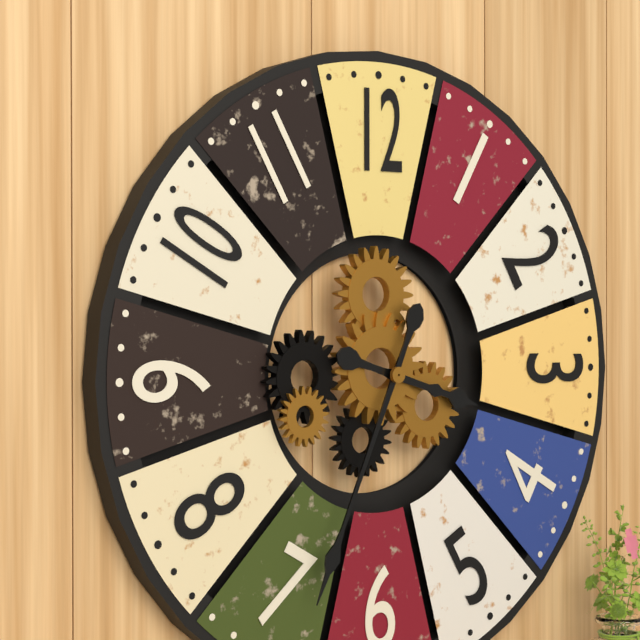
{"hour": 3, "minute": 34}
